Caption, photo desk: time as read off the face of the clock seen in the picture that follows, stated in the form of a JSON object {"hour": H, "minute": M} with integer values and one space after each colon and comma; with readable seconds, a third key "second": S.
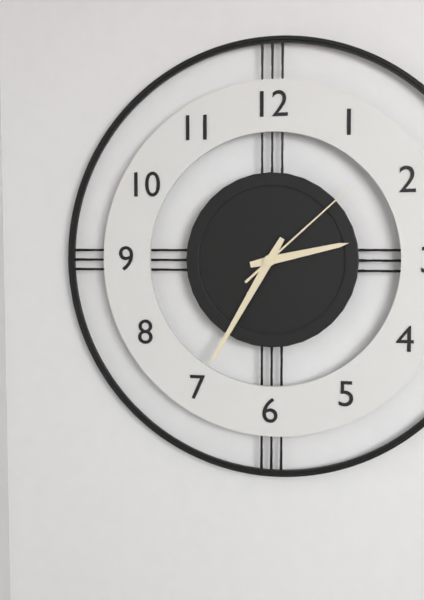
{"hour": 2, "minute": 35, "second": 8}
